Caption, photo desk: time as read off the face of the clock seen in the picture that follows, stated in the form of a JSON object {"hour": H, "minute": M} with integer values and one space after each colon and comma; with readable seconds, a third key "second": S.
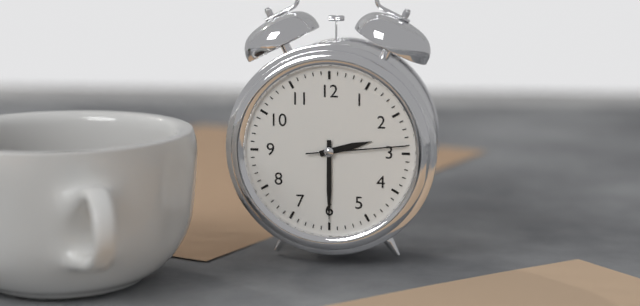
{"hour": 2, "minute": 30, "second": 14}
